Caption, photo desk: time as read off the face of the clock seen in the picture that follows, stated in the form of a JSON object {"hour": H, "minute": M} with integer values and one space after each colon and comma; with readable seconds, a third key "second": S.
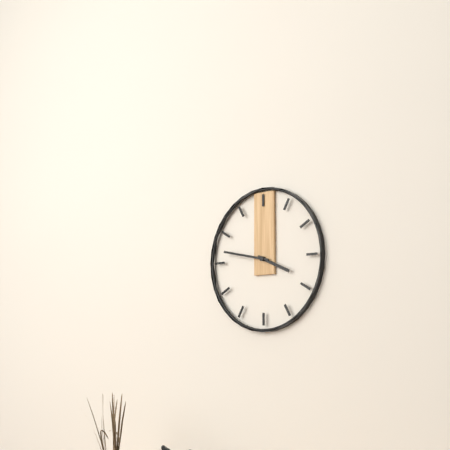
{"hour": 3, "minute": 47}
